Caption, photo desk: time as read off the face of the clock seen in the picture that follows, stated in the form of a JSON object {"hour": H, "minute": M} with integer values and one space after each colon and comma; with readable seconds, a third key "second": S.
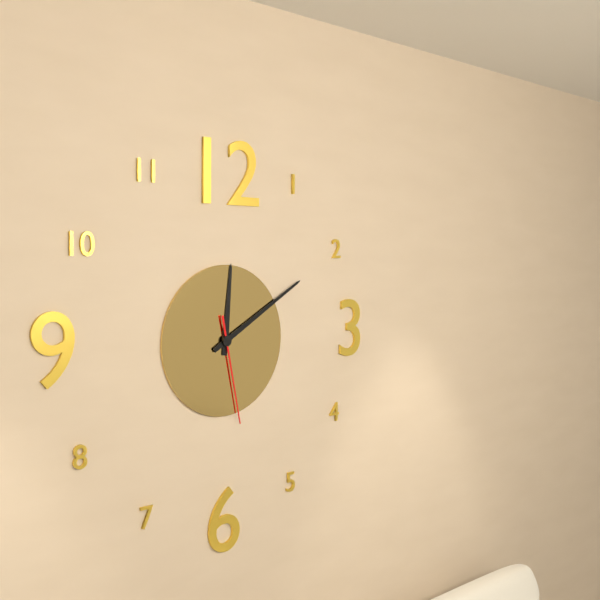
{"hour": 12, "minute": 10, "second": 28}
